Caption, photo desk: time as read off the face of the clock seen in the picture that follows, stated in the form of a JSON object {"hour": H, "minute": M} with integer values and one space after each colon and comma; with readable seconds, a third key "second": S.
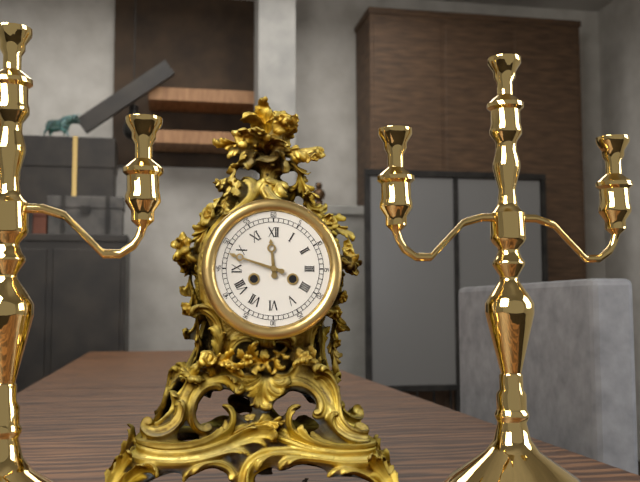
{"hour": 11, "minute": 48}
